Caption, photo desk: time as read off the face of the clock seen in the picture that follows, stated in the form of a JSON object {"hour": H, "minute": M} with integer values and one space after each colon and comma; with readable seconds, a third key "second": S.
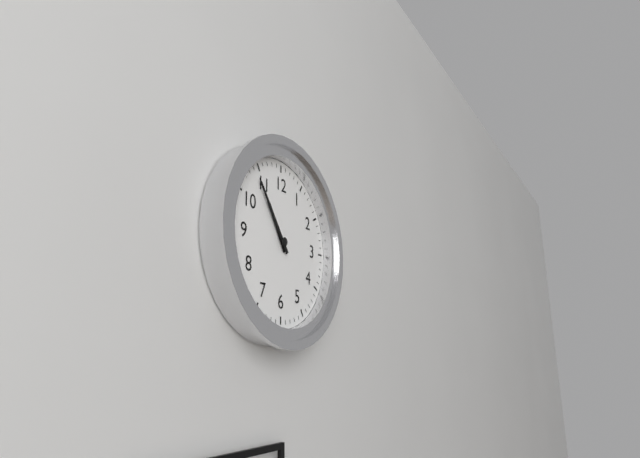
{"hour": 10, "minute": 54}
